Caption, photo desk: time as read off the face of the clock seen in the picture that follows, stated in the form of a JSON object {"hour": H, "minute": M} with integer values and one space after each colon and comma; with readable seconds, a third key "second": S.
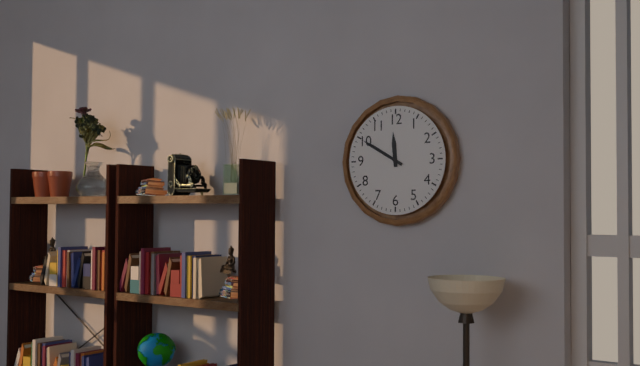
{"hour": 11, "minute": 50}
